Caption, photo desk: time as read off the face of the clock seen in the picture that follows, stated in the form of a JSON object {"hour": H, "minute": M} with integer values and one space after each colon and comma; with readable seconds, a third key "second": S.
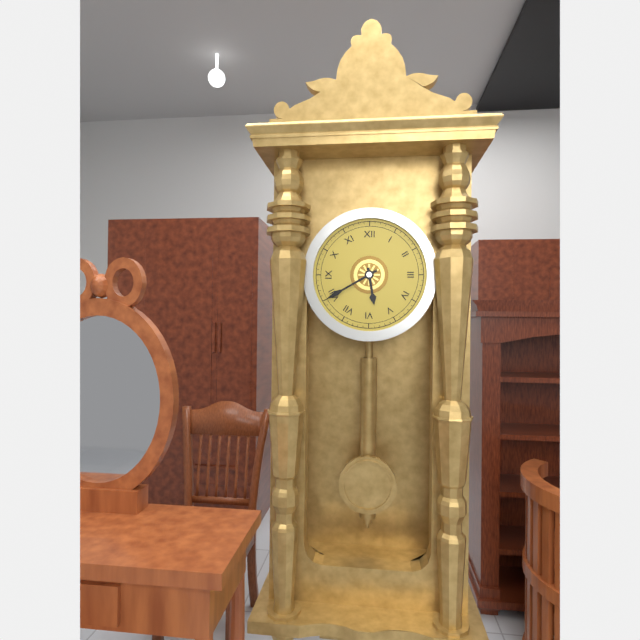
{"hour": 5, "minute": 40}
